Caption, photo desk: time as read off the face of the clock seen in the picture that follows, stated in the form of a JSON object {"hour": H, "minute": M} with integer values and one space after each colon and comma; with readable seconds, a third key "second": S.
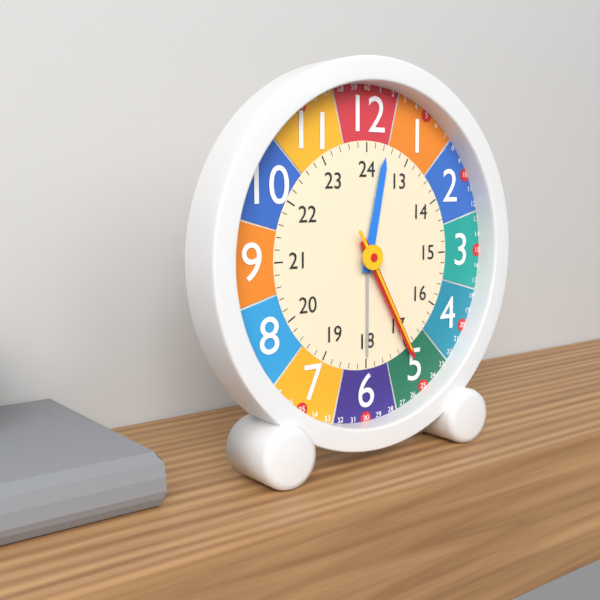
{"hour": 12, "minute": 25, "second": 25}
